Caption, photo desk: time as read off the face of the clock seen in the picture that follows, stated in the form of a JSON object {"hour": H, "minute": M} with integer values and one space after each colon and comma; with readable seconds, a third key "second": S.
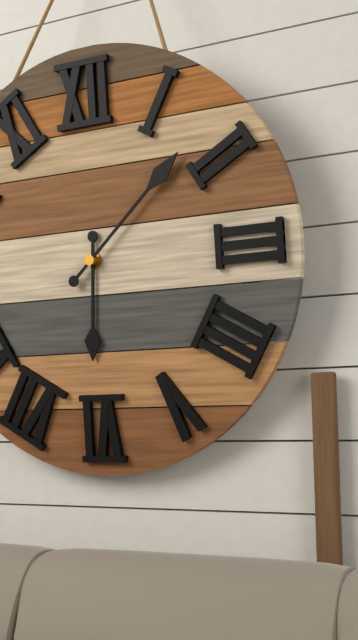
{"hour": 6, "minute": 8}
